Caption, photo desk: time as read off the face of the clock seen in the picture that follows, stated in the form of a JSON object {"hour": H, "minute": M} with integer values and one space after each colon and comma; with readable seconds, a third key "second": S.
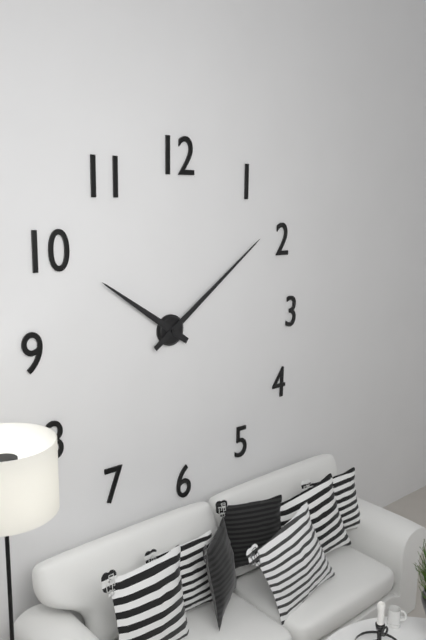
{"hour": 10, "minute": 9}
